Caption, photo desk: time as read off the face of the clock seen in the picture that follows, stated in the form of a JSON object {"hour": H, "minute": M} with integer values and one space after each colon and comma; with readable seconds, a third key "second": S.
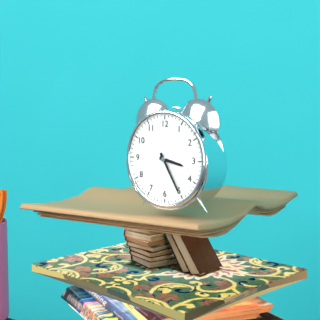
{"hour": 3, "minute": 25}
